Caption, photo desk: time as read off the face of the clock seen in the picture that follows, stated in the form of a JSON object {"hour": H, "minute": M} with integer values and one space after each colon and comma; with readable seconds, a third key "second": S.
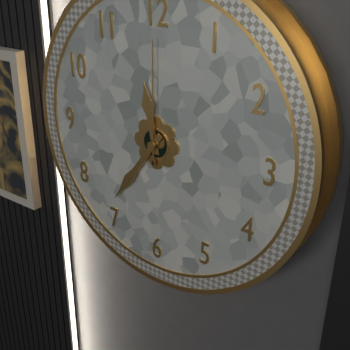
{"hour": 11, "minute": 36, "second": 0}
